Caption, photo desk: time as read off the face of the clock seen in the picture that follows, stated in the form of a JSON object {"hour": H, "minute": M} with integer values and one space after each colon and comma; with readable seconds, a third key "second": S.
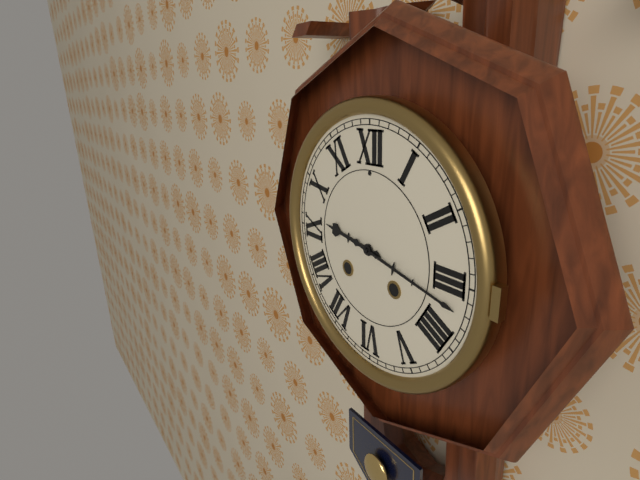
{"hour": 9, "minute": 17}
